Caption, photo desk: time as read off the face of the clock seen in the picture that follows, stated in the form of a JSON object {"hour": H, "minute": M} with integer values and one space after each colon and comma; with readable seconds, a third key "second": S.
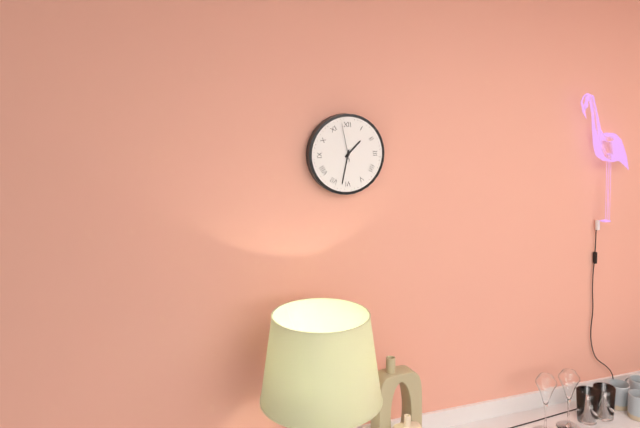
{"hour": 1, "minute": 32}
